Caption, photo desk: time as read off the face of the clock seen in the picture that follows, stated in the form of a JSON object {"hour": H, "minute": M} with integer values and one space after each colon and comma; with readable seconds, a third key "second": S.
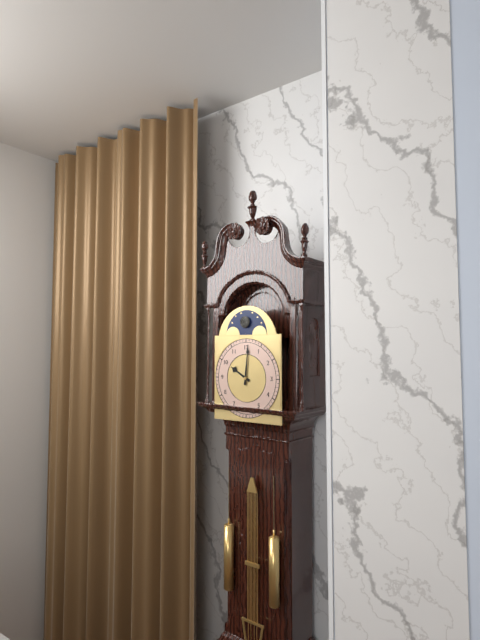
{"hour": 10, "minute": 1}
